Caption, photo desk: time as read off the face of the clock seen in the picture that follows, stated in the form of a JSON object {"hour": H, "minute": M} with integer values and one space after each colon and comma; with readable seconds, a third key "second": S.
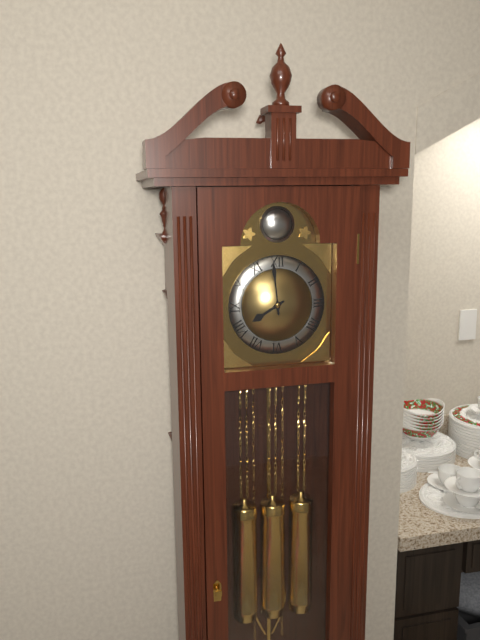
{"hour": 7, "minute": 59}
